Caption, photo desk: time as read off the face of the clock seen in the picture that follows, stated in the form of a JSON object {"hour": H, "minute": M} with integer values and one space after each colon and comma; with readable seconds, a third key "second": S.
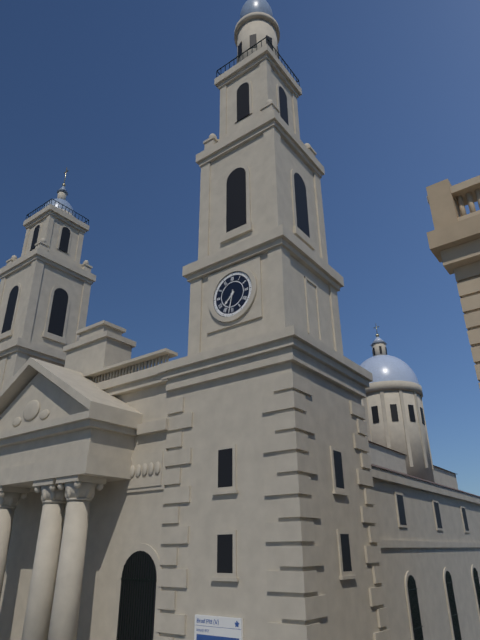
{"hour": 7, "minute": 32}
